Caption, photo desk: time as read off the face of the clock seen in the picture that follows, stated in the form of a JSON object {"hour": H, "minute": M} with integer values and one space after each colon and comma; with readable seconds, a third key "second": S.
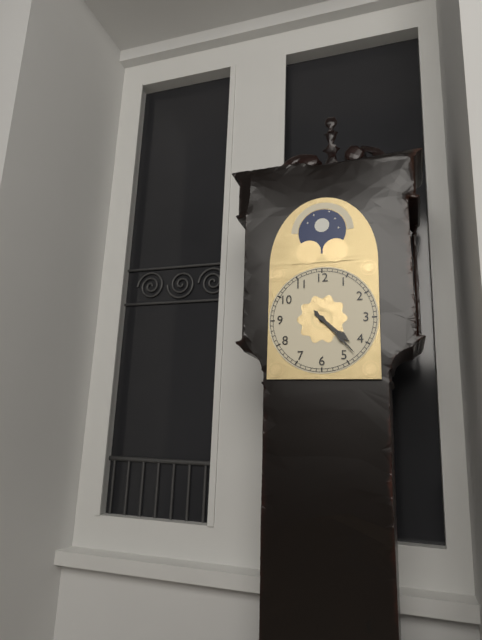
{"hour": 4, "minute": 23}
